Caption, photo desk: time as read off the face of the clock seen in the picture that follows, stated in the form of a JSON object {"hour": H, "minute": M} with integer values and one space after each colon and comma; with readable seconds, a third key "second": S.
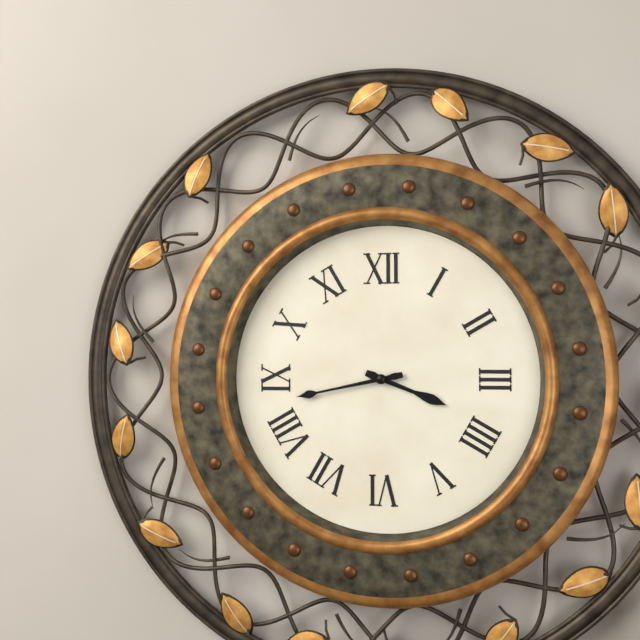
{"hour": 3, "minute": 43}
